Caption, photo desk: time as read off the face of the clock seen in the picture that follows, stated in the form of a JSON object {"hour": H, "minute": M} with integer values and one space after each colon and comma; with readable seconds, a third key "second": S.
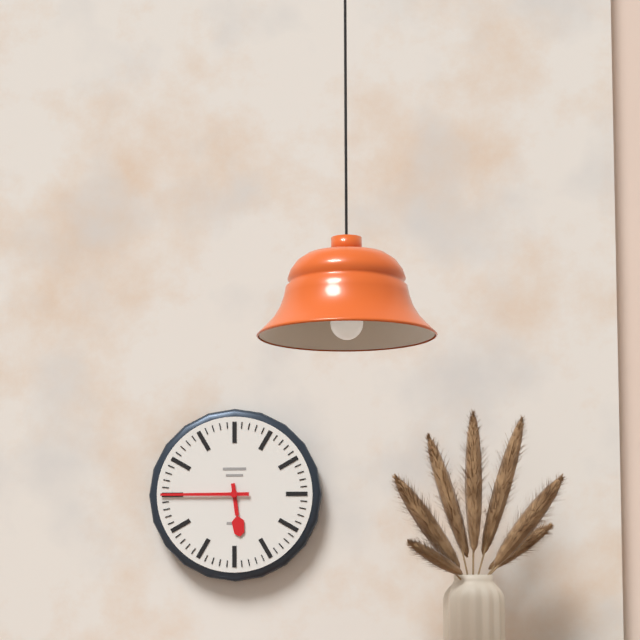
{"hour": 5, "minute": 45}
